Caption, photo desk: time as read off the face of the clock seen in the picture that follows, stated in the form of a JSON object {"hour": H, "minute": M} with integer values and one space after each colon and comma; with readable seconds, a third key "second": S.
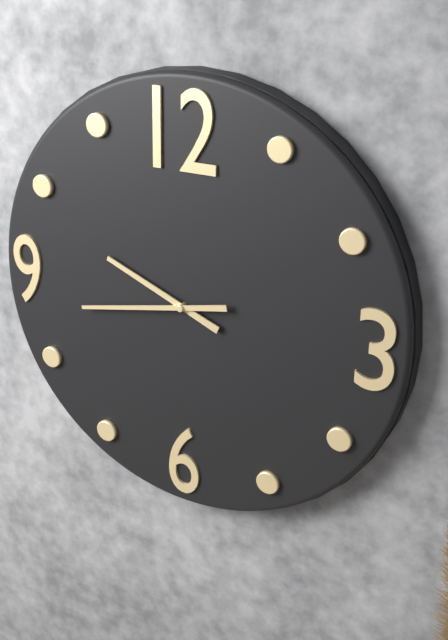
{"hour": 9, "minute": 43}
